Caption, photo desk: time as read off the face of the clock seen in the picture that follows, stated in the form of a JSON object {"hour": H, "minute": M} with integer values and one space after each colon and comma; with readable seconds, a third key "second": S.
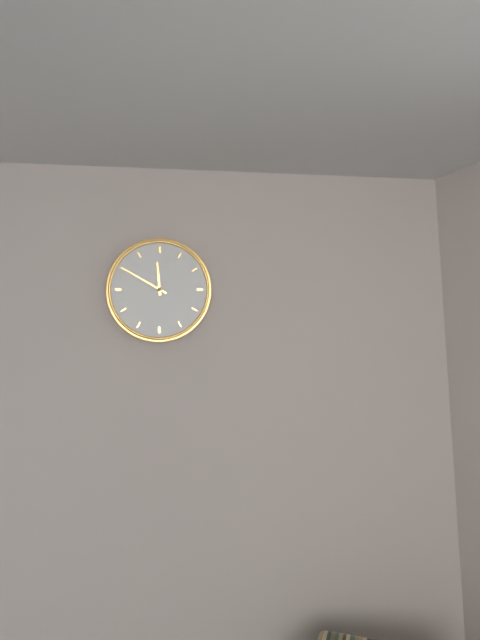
{"hour": 11, "minute": 50}
